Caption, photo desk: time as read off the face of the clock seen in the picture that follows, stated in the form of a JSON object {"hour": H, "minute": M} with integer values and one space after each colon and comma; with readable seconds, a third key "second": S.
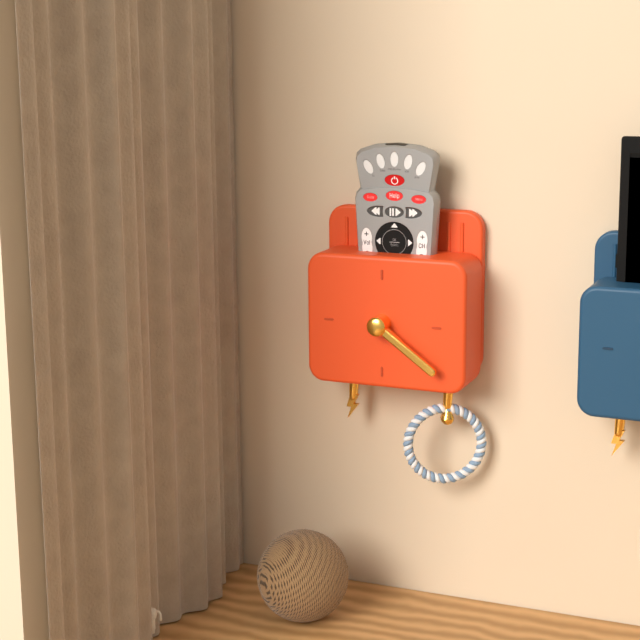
{"hour": 4, "minute": 21}
